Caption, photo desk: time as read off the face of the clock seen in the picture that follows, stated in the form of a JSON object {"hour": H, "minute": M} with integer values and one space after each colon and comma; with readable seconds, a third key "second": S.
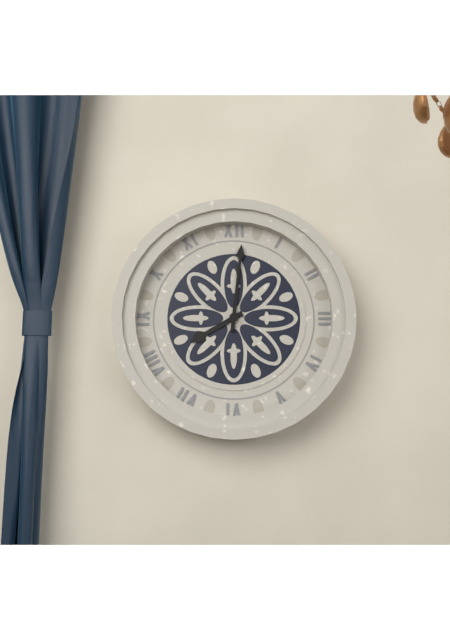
{"hour": 8, "minute": 1}
